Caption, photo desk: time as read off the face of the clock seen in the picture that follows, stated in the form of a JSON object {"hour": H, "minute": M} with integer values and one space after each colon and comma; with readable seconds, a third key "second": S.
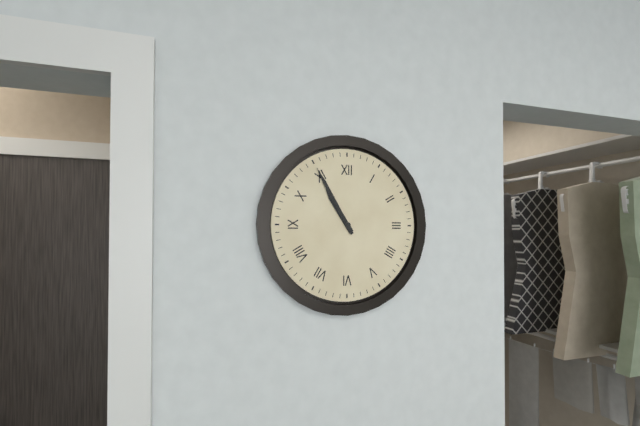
{"hour": 10, "minute": 55}
